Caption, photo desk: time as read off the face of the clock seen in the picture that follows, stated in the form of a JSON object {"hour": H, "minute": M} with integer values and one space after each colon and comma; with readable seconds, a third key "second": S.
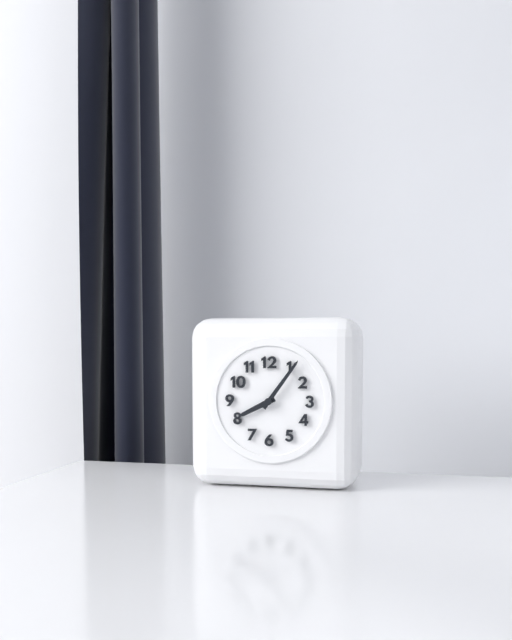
{"hour": 8, "minute": 6}
